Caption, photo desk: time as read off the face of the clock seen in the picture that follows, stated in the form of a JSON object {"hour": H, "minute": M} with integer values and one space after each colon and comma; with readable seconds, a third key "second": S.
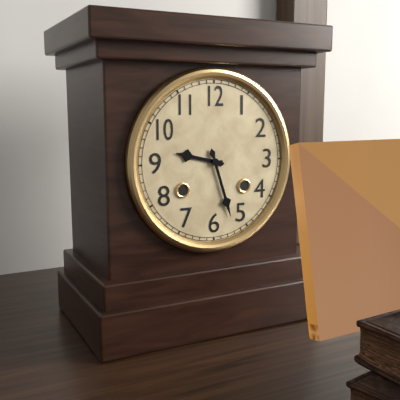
{"hour": 9, "minute": 27}
